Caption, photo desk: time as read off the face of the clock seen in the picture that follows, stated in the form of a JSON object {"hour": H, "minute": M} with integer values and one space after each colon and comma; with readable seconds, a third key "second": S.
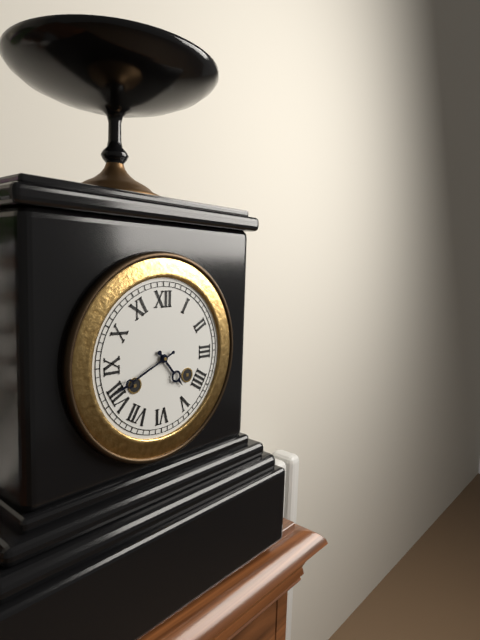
{"hour": 4, "minute": 41}
